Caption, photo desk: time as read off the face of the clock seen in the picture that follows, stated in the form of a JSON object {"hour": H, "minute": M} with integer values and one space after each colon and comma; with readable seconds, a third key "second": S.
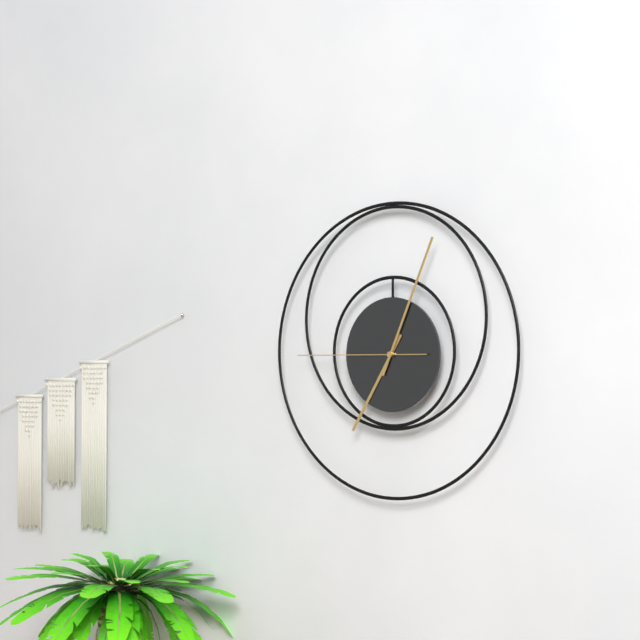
{"hour": 7, "minute": 4, "second": 45}
